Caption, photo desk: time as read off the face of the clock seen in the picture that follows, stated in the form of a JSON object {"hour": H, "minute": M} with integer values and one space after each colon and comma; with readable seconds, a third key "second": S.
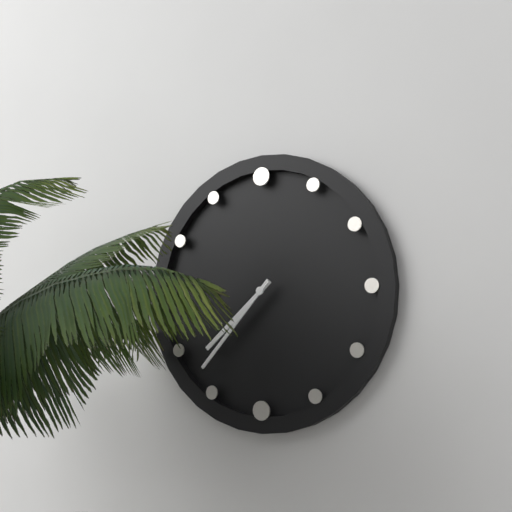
{"hour": 7, "minute": 37}
